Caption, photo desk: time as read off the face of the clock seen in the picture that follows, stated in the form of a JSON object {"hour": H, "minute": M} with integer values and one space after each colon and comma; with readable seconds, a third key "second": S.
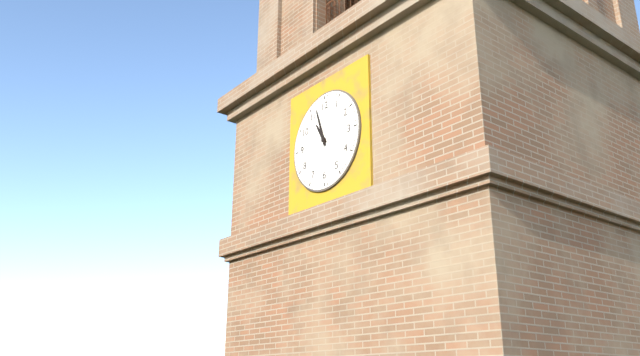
{"hour": 10, "minute": 57}
